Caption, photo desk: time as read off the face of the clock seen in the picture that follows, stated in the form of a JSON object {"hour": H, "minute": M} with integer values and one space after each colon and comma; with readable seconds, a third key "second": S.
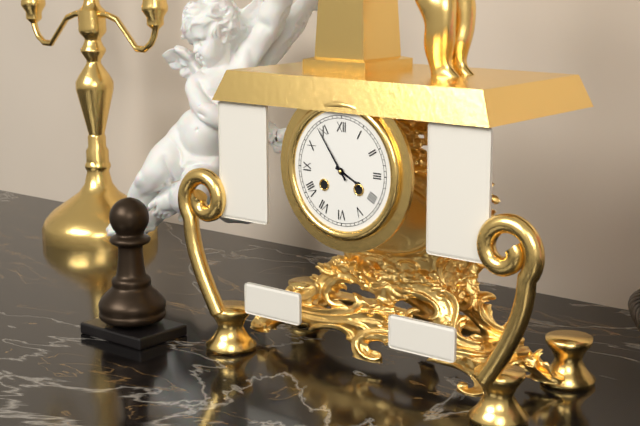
{"hour": 3, "minute": 54}
